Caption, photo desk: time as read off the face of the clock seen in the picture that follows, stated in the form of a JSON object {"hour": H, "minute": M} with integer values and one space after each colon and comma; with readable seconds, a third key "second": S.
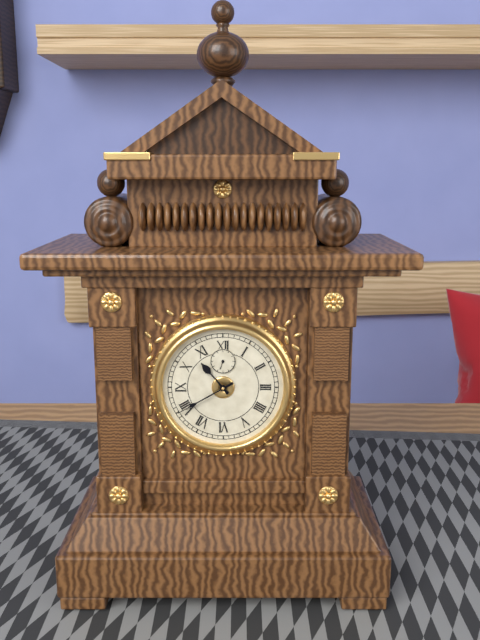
{"hour": 10, "minute": 40}
